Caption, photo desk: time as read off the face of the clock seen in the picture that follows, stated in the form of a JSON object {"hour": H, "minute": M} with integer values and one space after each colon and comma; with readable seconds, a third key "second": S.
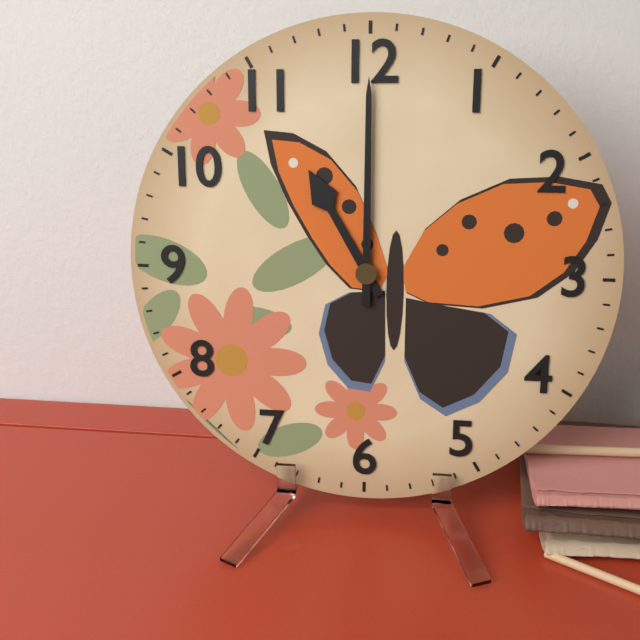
{"hour": 11, "minute": 0}
